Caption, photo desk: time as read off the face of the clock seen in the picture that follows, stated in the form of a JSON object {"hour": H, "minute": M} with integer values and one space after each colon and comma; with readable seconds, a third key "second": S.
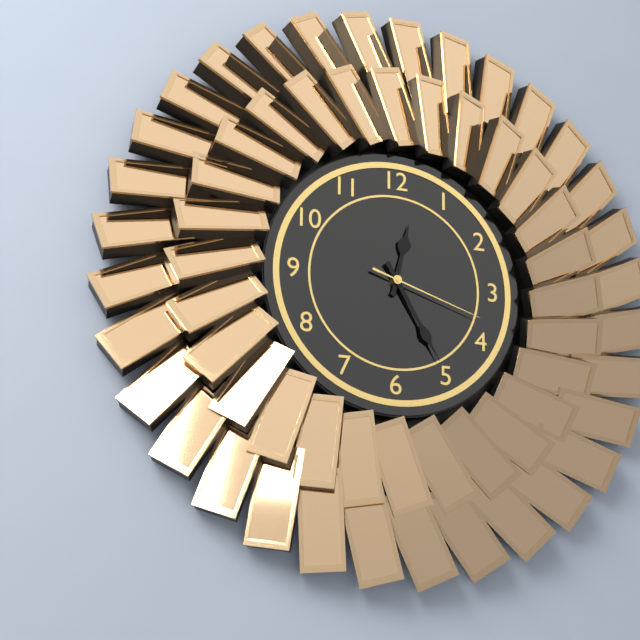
{"hour": 12, "minute": 25, "second": 18}
